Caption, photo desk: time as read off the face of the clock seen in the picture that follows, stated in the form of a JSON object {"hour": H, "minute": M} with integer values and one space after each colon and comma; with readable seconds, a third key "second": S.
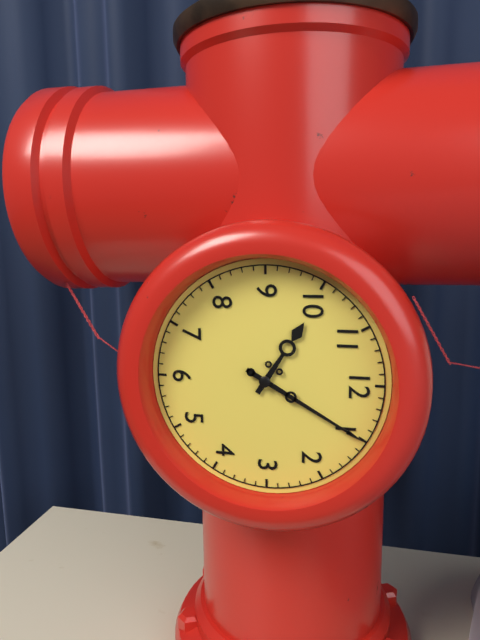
{"hour": 10, "minute": 5}
